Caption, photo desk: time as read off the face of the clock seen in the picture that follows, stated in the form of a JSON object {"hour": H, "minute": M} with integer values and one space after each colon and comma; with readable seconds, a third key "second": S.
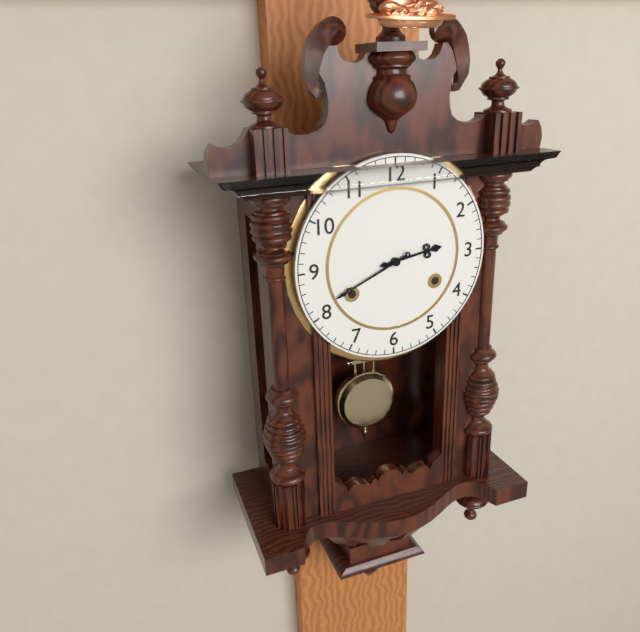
{"hour": 2, "minute": 41}
